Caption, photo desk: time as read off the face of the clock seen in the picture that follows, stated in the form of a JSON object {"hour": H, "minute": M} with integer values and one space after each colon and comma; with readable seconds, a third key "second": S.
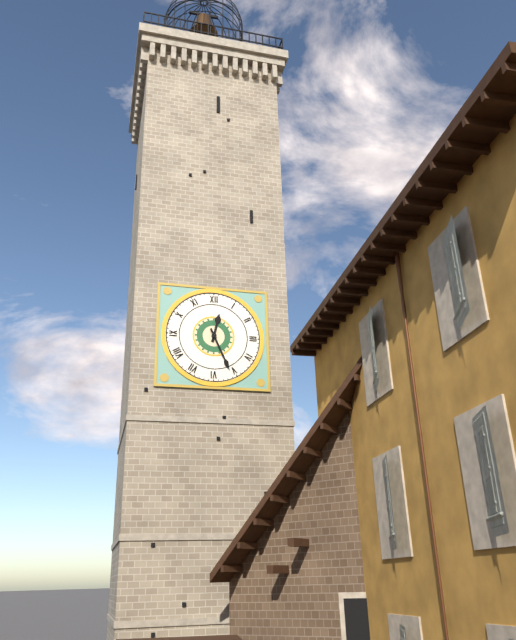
{"hour": 12, "minute": 26}
